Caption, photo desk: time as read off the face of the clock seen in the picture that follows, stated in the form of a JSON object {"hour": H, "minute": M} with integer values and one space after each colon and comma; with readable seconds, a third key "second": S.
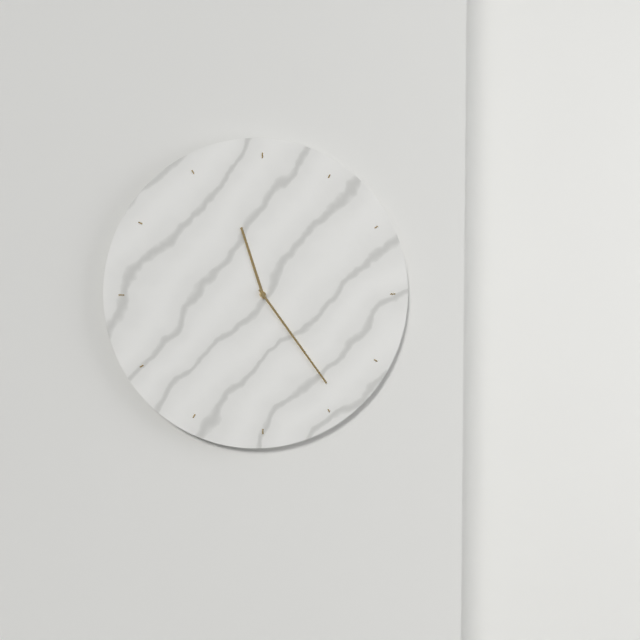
{"hour": 11, "minute": 24}
